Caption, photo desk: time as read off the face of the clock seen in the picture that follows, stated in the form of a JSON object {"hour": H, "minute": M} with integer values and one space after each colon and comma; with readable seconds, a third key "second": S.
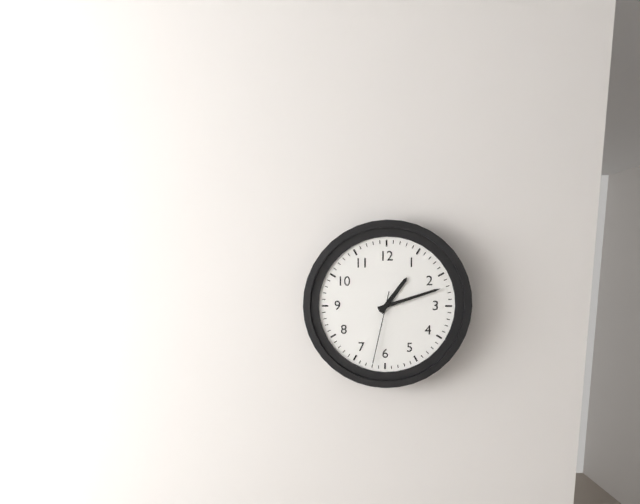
{"hour": 1, "minute": 12, "second": 32}
